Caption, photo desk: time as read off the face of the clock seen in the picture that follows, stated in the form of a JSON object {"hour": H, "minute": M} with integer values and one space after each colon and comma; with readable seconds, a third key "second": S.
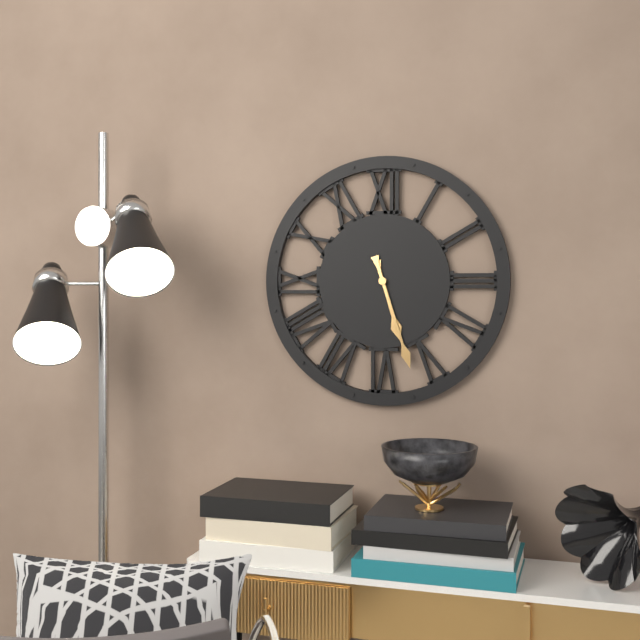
{"hour": 5, "minute": 27}
